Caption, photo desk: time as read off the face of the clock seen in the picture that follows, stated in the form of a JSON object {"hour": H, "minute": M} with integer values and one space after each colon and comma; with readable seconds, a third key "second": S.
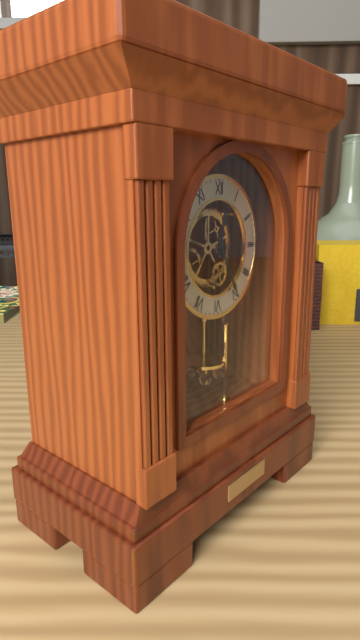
{"hour": 12, "minute": 25}
